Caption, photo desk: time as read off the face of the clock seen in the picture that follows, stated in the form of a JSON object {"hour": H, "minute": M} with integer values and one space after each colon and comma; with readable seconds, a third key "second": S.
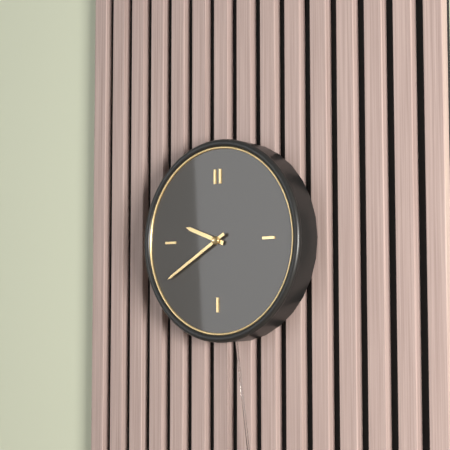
{"hour": 9, "minute": 40}
